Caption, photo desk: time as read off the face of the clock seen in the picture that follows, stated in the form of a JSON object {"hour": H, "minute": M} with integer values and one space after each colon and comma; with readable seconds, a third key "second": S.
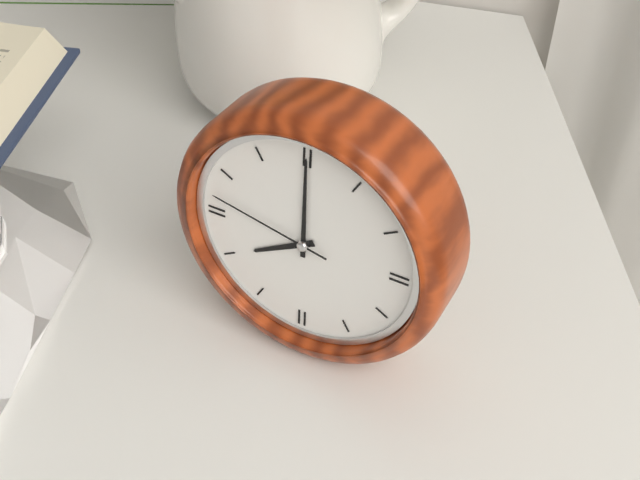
{"hour": 8, "minute": 0, "second": 47}
